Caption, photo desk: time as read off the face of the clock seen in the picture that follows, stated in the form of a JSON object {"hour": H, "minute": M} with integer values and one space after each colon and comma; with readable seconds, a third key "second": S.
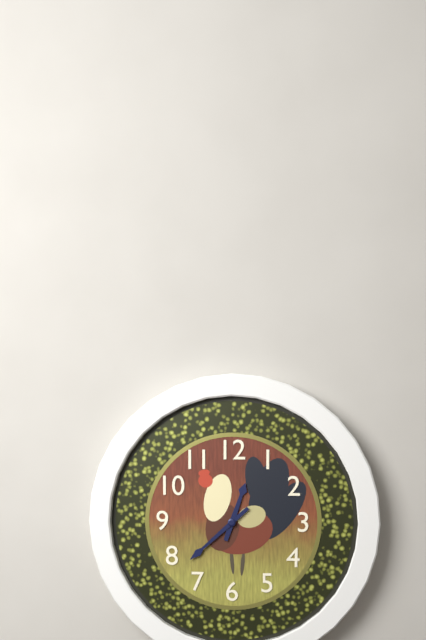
{"hour": 12, "minute": 38}
